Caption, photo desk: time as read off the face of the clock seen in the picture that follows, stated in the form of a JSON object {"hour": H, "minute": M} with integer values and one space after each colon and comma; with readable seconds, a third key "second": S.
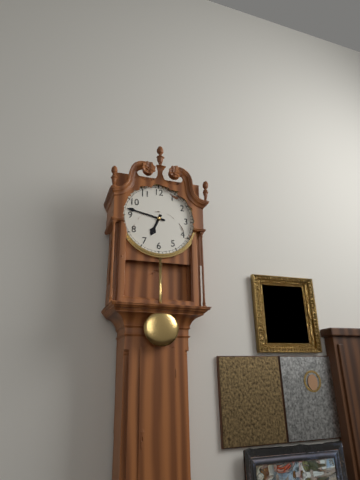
{"hour": 6, "minute": 47}
